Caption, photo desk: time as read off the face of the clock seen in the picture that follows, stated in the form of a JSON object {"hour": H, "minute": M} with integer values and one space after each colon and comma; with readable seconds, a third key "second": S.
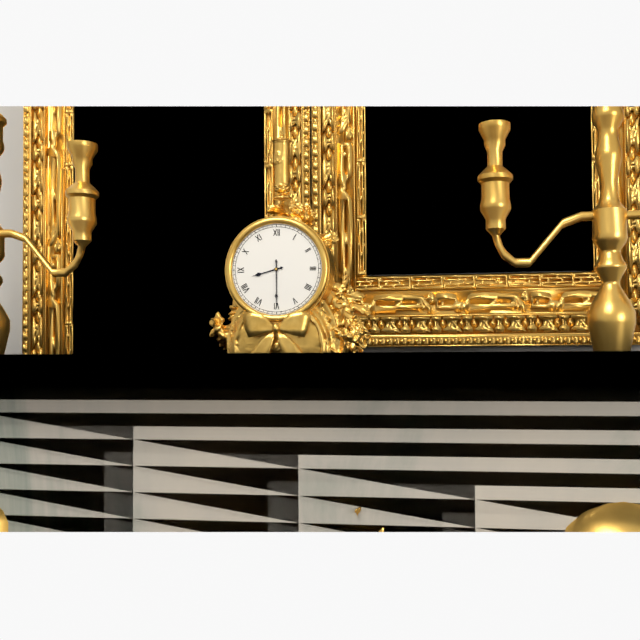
{"hour": 8, "minute": 30}
